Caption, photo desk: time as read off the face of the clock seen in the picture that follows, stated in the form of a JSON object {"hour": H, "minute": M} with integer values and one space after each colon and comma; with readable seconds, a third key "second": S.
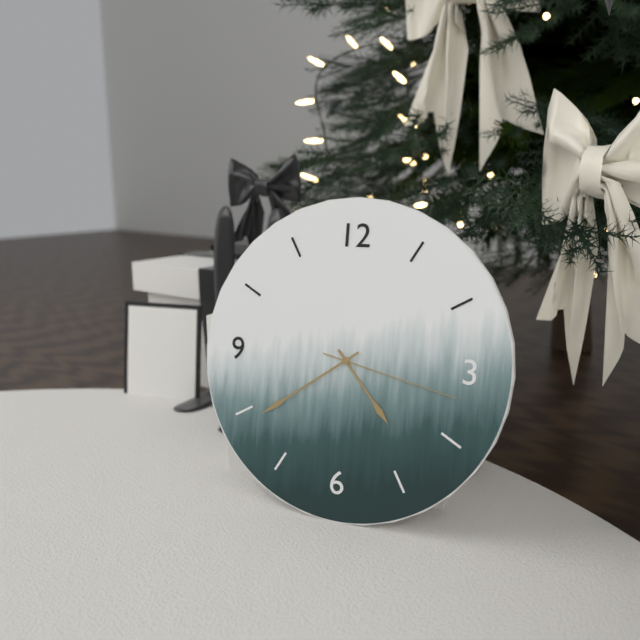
{"hour": 4, "minute": 39, "second": 17}
